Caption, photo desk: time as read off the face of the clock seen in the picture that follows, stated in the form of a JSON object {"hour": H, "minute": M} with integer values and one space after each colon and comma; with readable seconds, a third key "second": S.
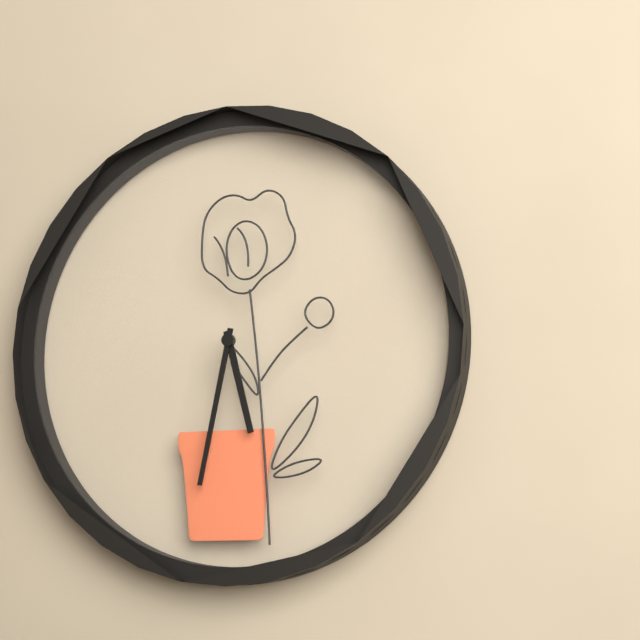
{"hour": 5, "minute": 32}
